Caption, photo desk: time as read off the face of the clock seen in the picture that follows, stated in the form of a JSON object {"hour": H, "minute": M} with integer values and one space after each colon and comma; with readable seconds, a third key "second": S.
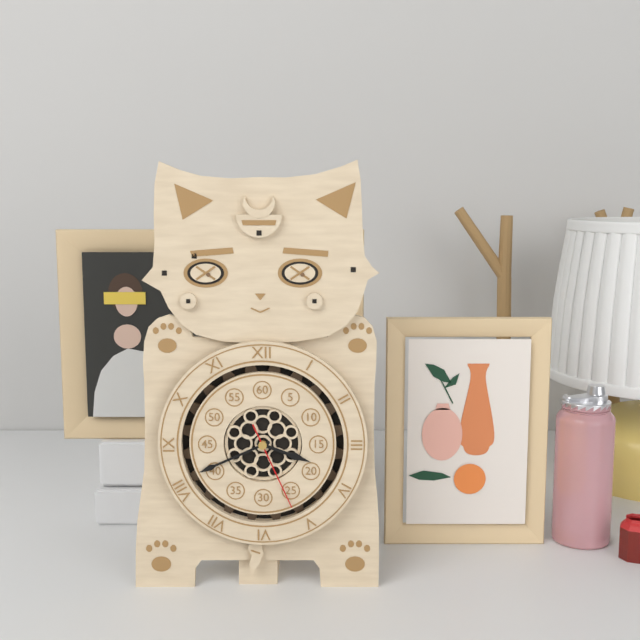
{"hour": 3, "minute": 41, "second": 26}
